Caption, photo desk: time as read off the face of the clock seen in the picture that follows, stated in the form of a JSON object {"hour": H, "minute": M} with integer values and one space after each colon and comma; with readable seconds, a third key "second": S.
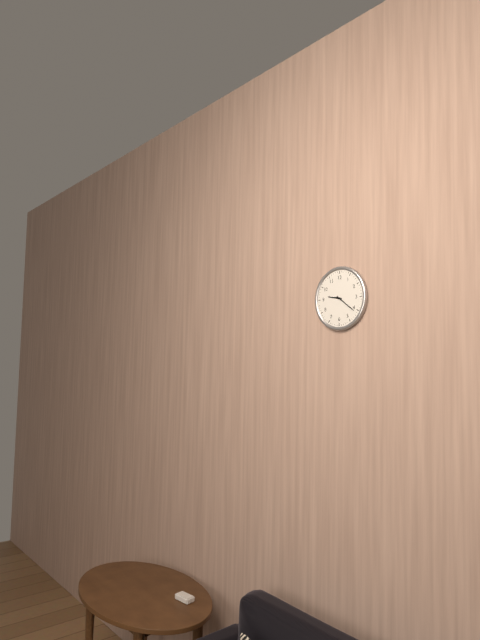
{"hour": 9, "minute": 21}
